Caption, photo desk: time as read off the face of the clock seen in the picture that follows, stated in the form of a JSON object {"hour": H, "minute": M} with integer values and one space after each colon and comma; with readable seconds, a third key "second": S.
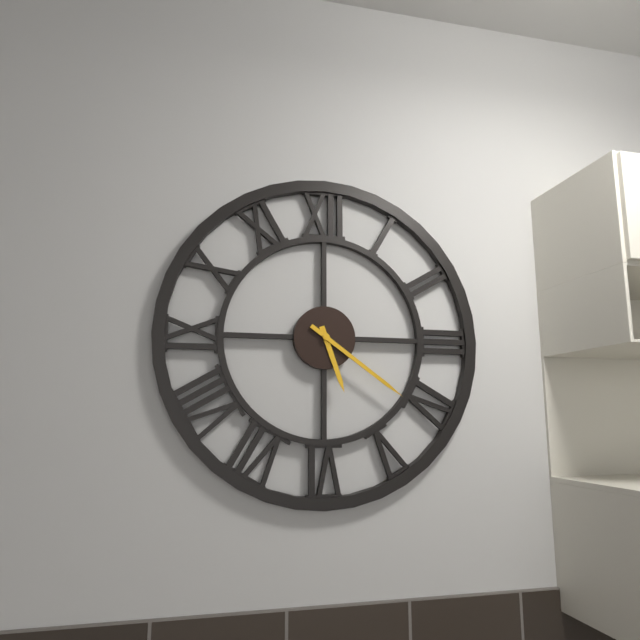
{"hour": 5, "minute": 21}
